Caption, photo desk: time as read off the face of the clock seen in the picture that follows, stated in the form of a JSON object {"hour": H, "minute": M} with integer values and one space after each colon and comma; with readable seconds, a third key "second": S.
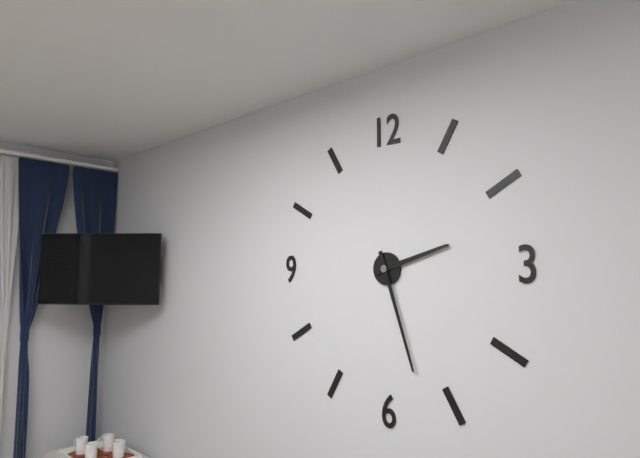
{"hour": 2, "minute": 27}
